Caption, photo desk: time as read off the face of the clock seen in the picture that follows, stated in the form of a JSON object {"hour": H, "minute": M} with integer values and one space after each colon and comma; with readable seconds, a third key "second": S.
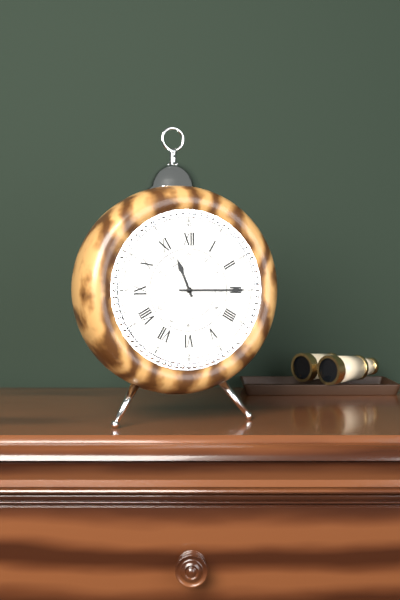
{"hour": 11, "minute": 15}
